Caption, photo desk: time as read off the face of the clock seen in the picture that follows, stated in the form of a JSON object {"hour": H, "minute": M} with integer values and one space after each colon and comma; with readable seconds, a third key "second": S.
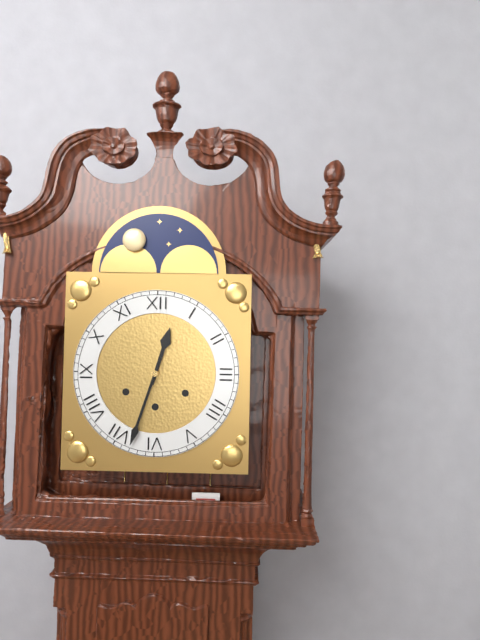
{"hour": 12, "minute": 33}
